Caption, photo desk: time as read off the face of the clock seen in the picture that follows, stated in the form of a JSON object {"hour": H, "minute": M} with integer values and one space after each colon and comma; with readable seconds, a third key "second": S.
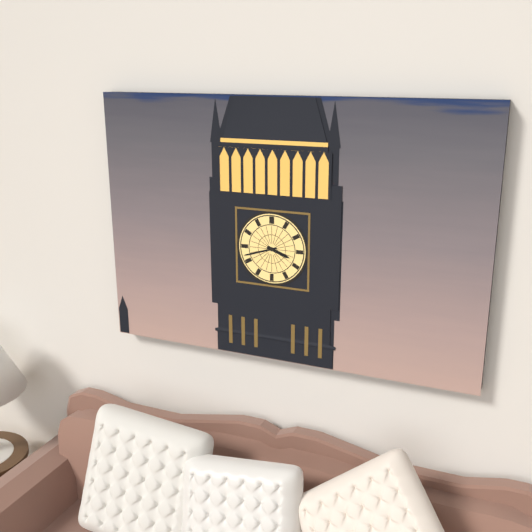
{"hour": 3, "minute": 42}
